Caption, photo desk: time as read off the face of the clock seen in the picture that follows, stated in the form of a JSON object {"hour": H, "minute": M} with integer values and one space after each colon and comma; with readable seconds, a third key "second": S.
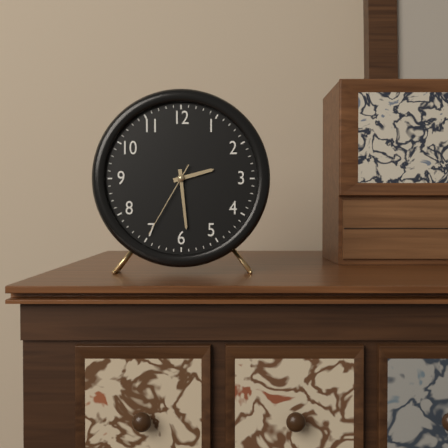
{"hour": 2, "minute": 29, "second": 35}
